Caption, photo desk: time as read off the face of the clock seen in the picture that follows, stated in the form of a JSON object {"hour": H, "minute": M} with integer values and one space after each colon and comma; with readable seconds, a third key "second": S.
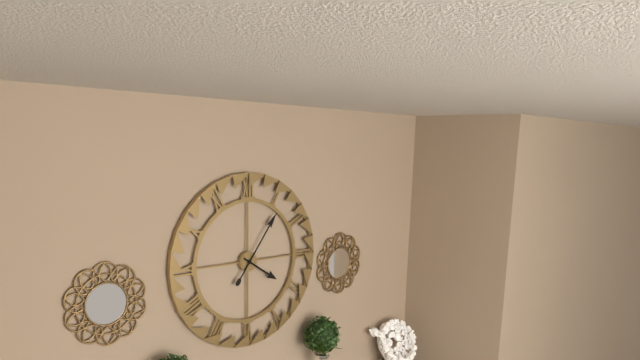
{"hour": 4, "minute": 6}
